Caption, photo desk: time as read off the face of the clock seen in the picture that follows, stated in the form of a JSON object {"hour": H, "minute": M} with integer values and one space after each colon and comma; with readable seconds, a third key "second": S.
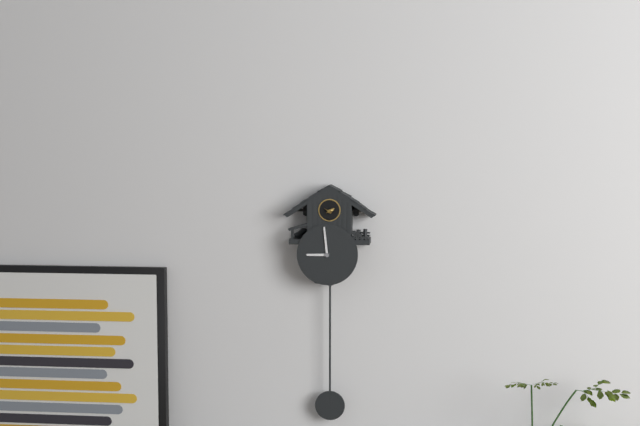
{"hour": 8, "minute": 59}
